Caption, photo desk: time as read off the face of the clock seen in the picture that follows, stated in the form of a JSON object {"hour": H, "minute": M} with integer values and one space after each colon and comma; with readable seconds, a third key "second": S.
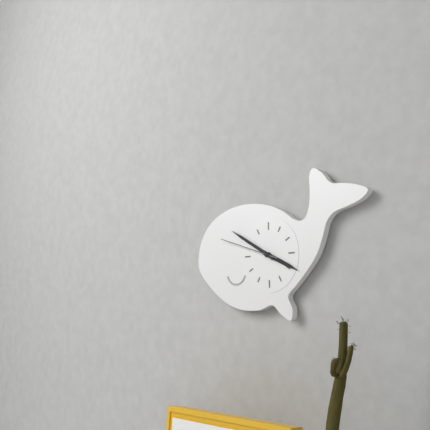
{"hour": 3, "minute": 50}
